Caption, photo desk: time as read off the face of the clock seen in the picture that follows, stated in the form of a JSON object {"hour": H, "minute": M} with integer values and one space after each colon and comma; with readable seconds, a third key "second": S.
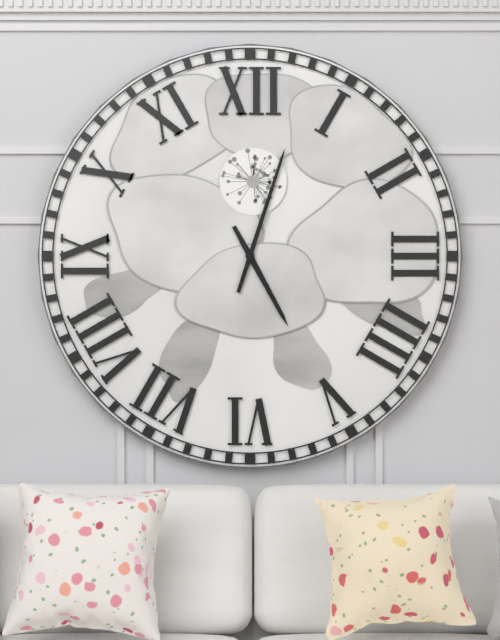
{"hour": 5, "minute": 3}
